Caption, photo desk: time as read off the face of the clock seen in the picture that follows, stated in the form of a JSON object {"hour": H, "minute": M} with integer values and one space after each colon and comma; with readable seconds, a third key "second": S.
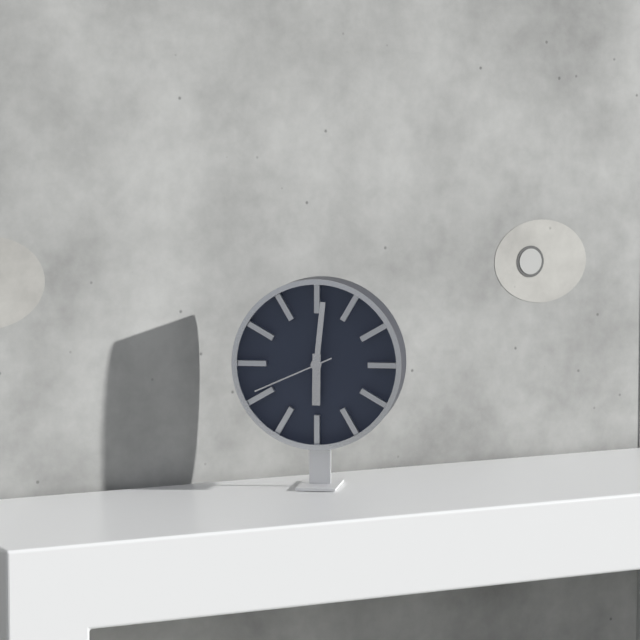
{"hour": 6, "minute": 1, "second": 41}
